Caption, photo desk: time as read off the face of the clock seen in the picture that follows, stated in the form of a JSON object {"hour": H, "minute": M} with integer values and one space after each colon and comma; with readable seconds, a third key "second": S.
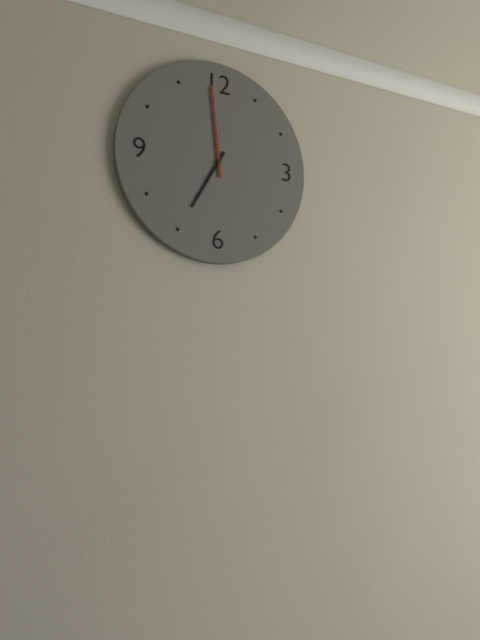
{"hour": 6, "minute": 59}
